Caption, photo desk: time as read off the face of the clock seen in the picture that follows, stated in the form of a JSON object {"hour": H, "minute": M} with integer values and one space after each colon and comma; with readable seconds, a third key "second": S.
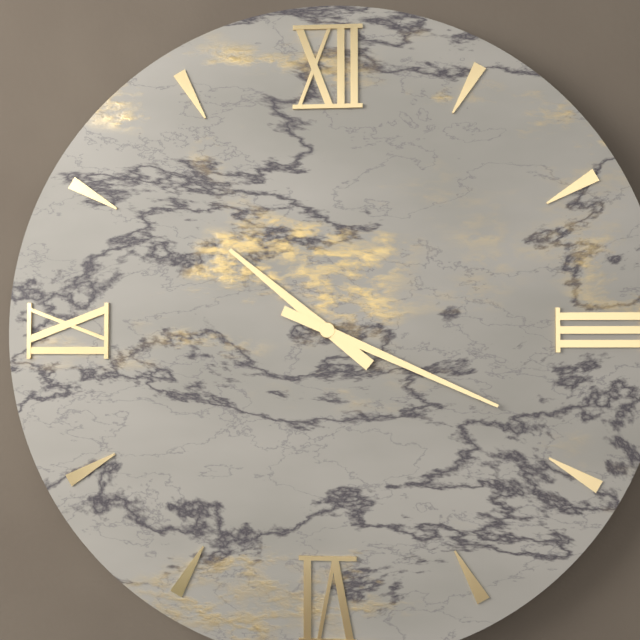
{"hour": 10, "minute": 19}
